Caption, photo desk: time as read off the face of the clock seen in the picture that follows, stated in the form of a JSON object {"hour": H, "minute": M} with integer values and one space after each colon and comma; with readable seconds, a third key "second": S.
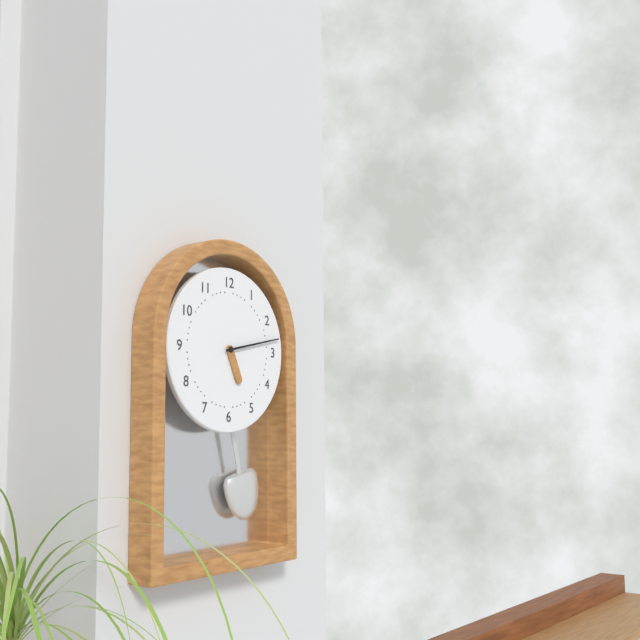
{"hour": 5, "minute": 13}
